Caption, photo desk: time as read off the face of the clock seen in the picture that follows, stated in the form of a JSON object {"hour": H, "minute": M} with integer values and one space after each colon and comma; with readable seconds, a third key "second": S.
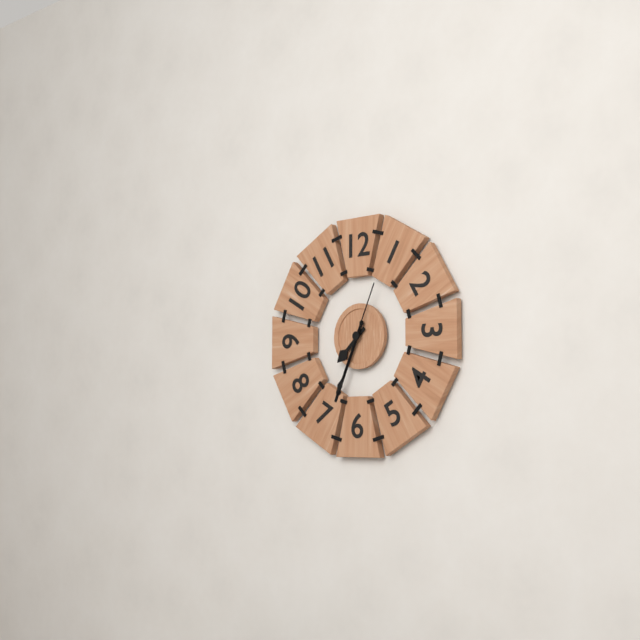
{"hour": 7, "minute": 34, "second": 34}
